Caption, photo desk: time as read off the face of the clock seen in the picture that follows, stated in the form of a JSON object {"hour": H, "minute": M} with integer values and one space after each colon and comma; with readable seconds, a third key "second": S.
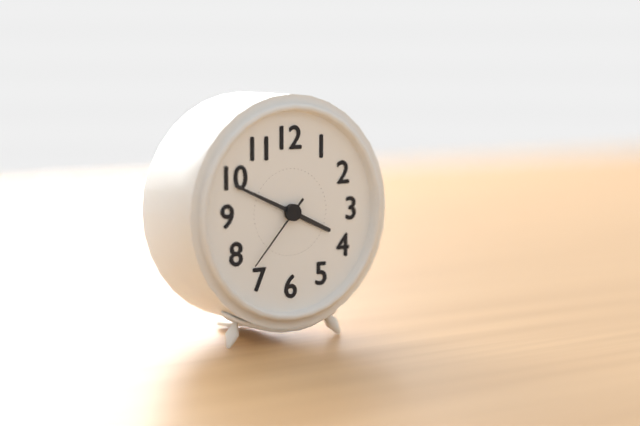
{"hour": 3, "minute": 49, "second": 37}
